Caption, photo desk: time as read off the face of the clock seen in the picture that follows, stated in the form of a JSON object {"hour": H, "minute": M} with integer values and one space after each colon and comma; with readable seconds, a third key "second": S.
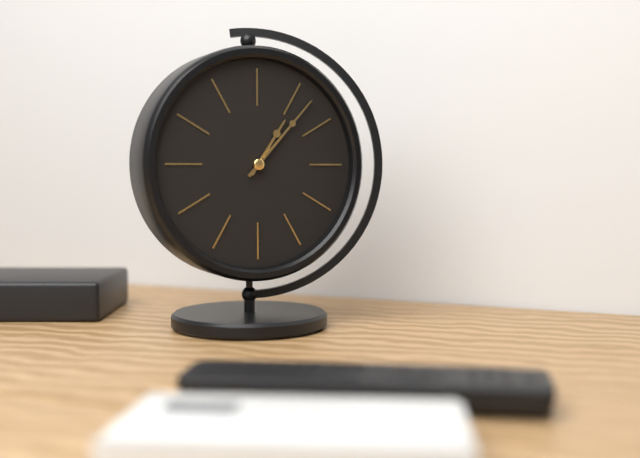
{"hour": 1, "minute": 7}
